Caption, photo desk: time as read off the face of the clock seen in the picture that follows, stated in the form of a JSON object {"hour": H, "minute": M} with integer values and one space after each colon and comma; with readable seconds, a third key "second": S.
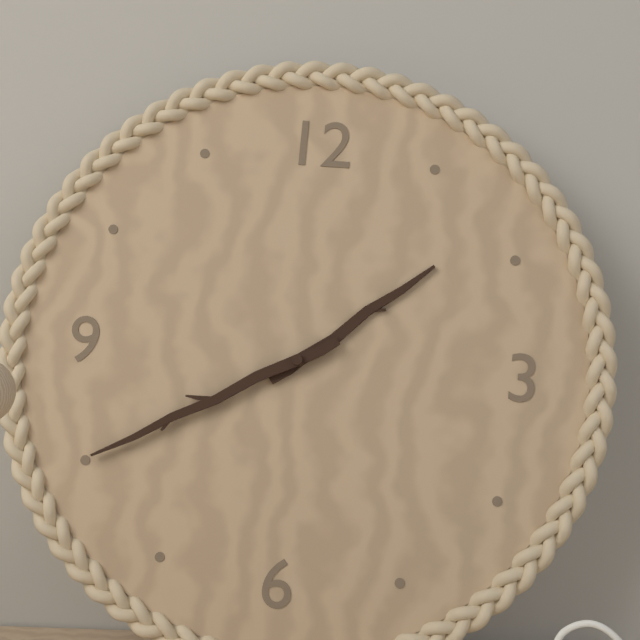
{"hour": 1, "minute": 40}
